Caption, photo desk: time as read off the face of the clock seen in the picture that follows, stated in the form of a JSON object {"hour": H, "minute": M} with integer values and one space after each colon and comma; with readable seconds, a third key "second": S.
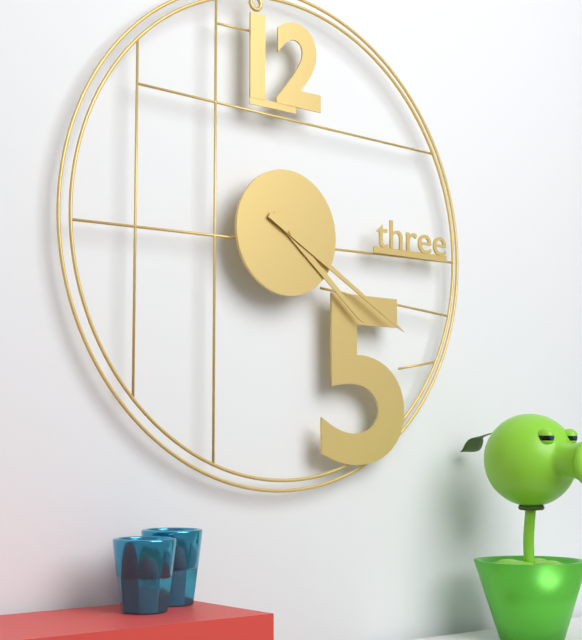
{"hour": 4, "minute": 20}
